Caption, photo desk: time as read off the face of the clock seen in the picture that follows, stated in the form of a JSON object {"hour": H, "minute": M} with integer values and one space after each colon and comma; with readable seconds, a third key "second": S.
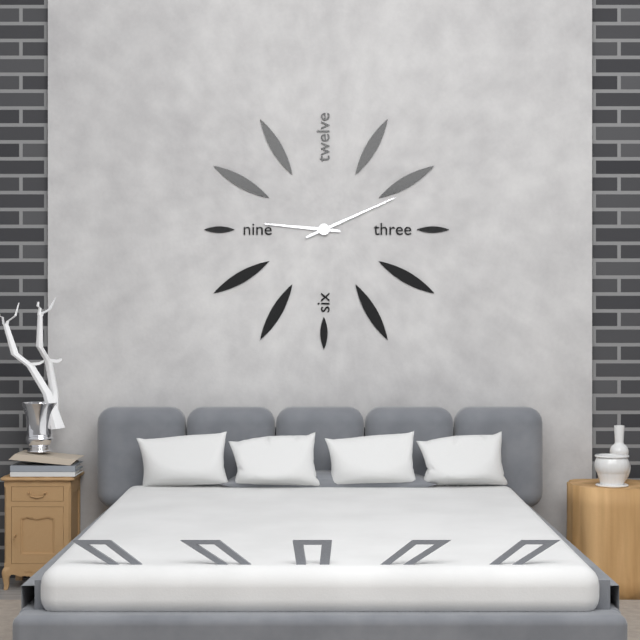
{"hour": 9, "minute": 11}
